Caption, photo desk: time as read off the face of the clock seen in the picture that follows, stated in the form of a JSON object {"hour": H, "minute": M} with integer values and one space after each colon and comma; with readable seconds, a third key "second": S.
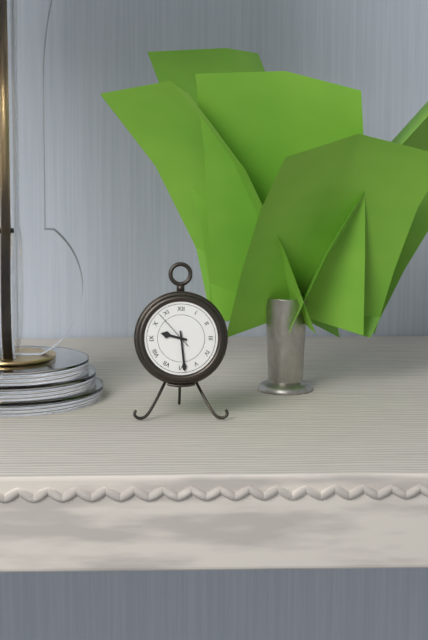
{"hour": 9, "minute": 29}
